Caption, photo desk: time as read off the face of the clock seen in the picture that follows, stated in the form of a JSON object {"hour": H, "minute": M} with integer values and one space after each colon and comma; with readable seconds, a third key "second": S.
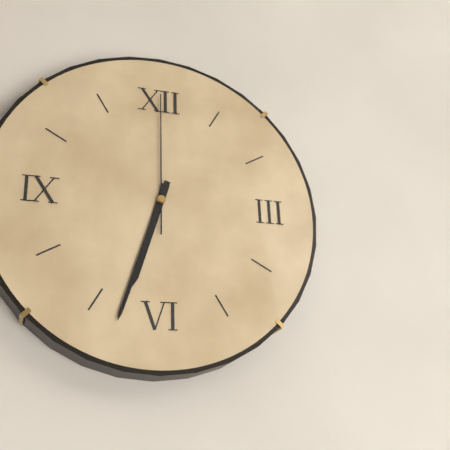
{"hour": 6, "minute": 33, "second": 0}
